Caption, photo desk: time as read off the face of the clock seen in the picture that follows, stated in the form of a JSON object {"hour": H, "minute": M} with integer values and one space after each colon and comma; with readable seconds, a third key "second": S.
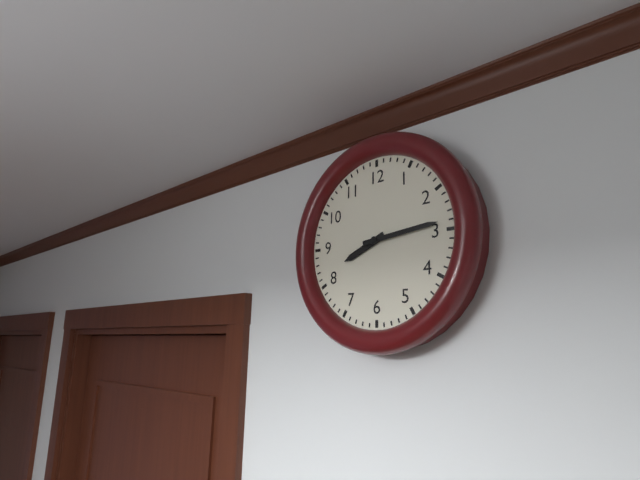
{"hour": 8, "minute": 14}
